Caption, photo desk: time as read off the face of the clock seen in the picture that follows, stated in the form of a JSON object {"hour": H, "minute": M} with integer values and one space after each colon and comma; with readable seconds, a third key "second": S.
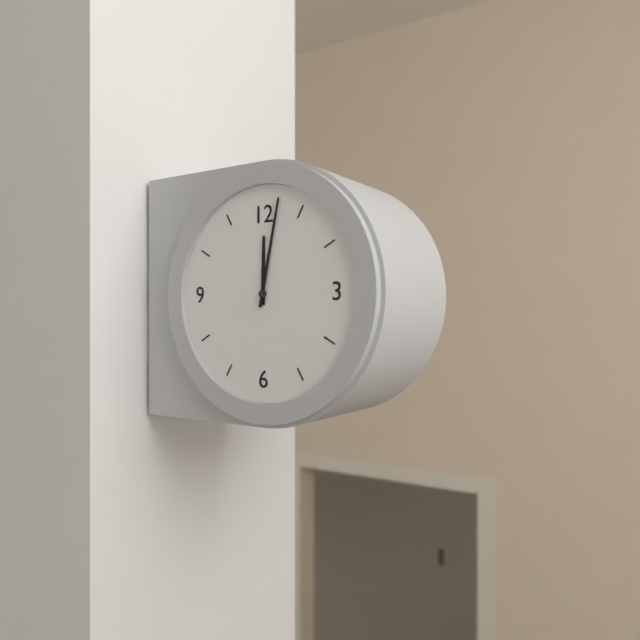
{"hour": 12, "minute": 2}
